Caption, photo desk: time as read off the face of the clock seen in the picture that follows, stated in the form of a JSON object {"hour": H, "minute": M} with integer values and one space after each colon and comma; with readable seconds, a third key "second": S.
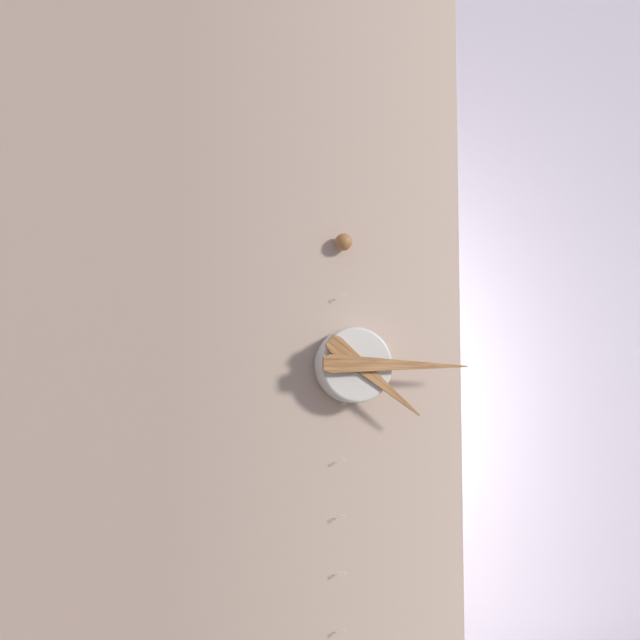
{"hour": 4, "minute": 15}
